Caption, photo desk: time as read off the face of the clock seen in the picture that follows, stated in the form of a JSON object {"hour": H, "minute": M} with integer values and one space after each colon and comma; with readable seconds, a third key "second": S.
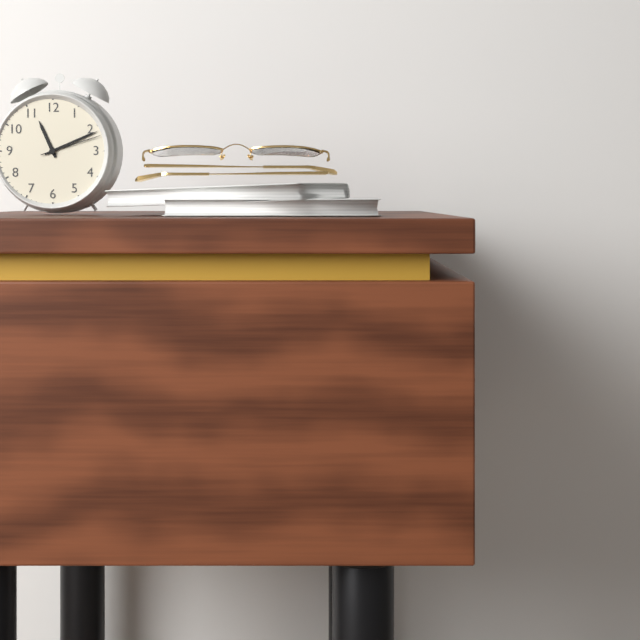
{"hour": 11, "minute": 11, "second": 12}
